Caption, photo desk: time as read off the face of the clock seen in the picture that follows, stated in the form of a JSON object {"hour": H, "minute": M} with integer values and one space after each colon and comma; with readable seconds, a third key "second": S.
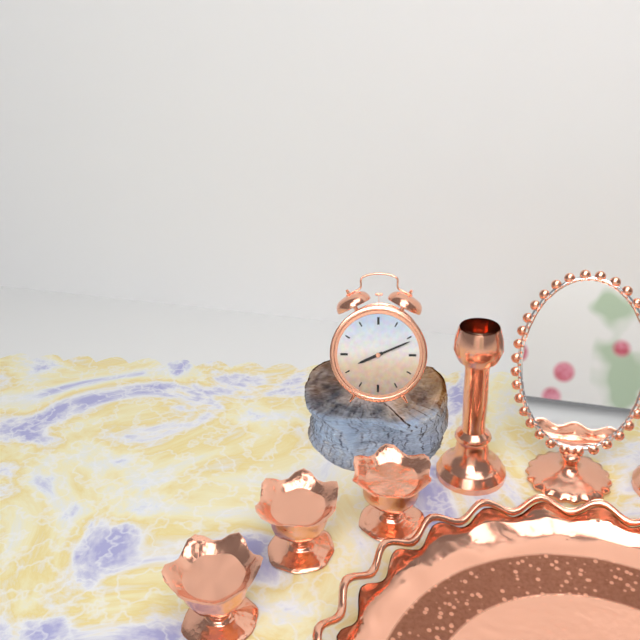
{"hour": 8, "minute": 11}
